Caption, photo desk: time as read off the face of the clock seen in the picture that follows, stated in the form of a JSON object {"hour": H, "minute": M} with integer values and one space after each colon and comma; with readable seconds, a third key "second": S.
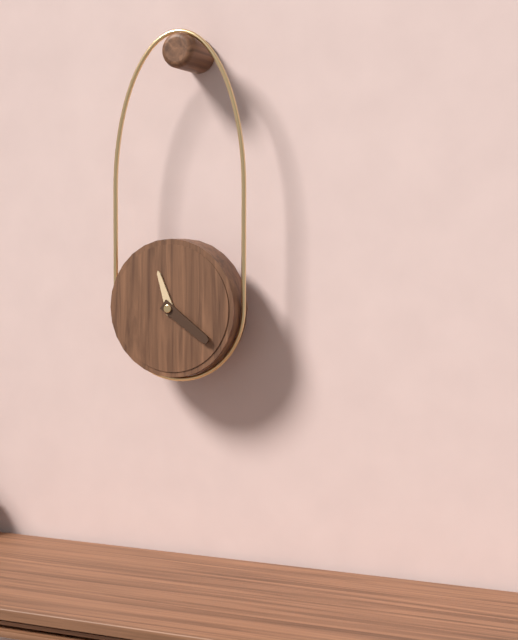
{"hour": 11, "minute": 21}
